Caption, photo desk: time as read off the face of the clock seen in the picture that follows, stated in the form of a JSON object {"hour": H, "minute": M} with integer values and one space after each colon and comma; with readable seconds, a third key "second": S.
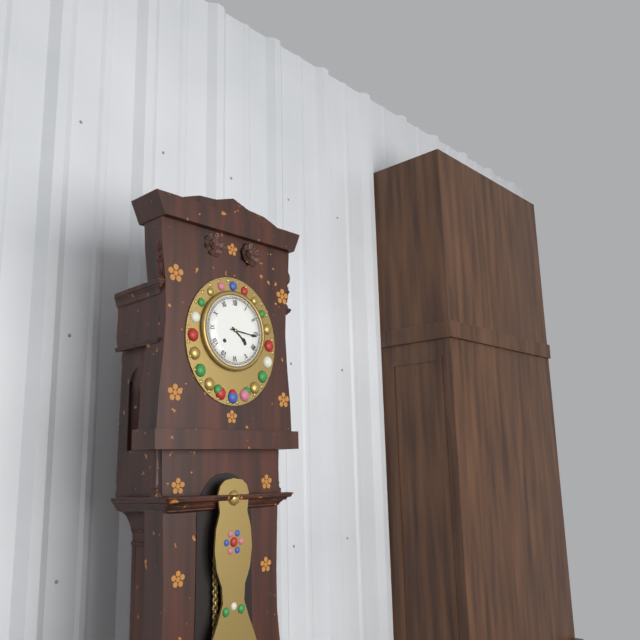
{"hour": 4, "minute": 16}
